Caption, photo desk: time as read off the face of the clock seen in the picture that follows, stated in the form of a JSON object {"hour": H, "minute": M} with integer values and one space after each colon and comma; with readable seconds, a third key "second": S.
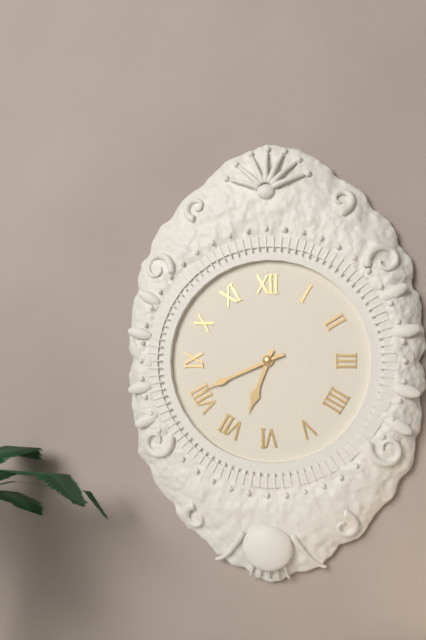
{"hour": 6, "minute": 41}
